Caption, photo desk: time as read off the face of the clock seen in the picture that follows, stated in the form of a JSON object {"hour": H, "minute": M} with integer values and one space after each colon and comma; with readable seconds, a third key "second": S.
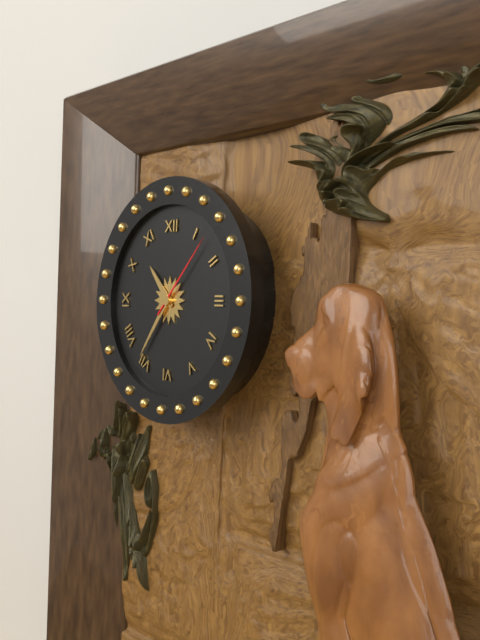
{"hour": 10, "minute": 36, "second": 7}
